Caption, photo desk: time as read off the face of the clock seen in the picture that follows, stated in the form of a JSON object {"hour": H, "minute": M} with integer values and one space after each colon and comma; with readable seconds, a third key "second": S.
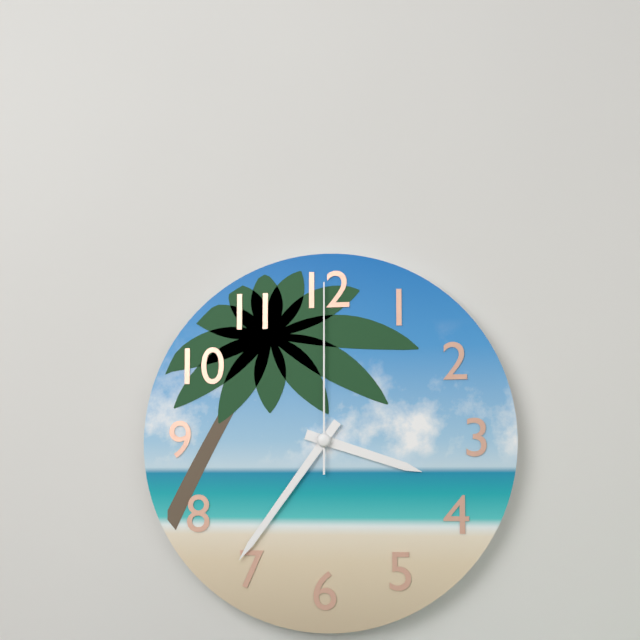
{"hour": 3, "minute": 36, "second": 0}
